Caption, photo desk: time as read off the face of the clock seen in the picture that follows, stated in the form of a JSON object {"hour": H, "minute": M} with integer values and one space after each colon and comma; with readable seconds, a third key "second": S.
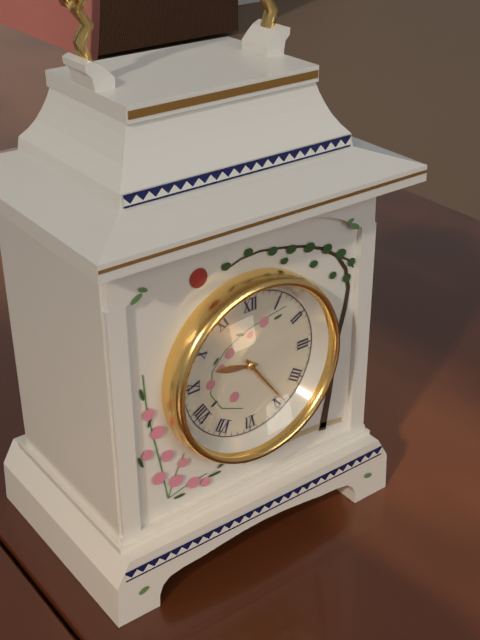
{"hour": 9, "minute": 24}
